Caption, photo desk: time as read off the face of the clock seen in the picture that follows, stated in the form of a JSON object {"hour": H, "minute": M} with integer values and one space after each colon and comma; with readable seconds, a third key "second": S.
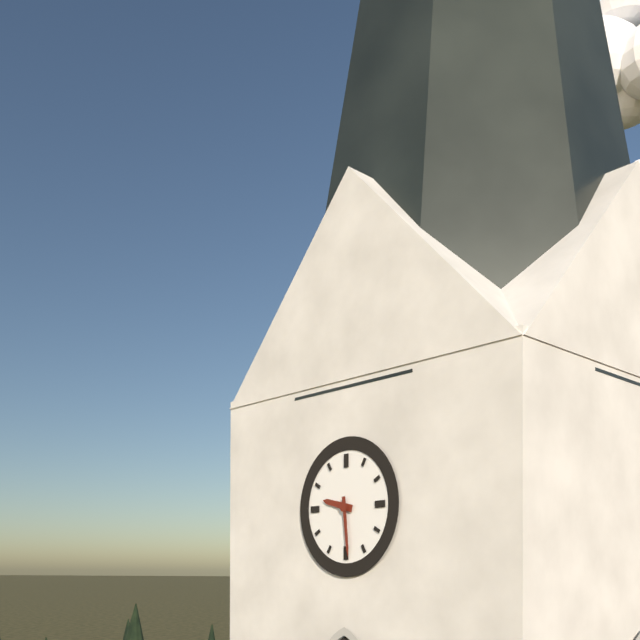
{"hour": 9, "minute": 29}
